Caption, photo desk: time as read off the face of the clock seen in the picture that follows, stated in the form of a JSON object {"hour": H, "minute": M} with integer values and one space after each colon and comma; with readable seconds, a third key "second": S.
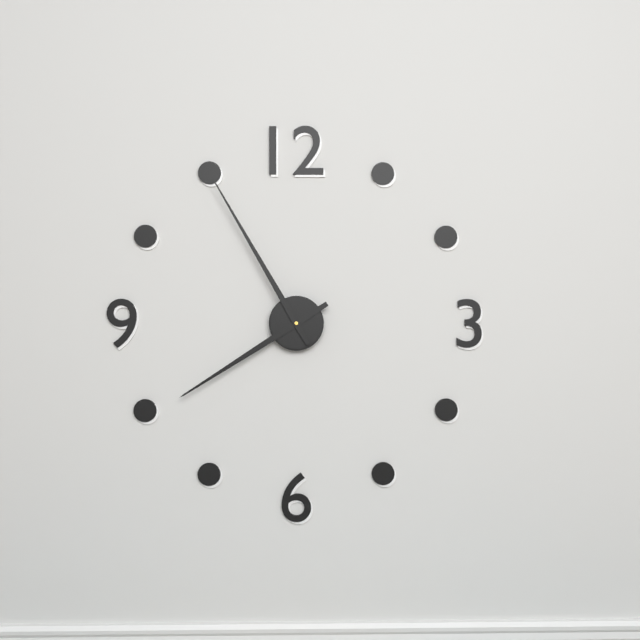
{"hour": 7, "minute": 55}
